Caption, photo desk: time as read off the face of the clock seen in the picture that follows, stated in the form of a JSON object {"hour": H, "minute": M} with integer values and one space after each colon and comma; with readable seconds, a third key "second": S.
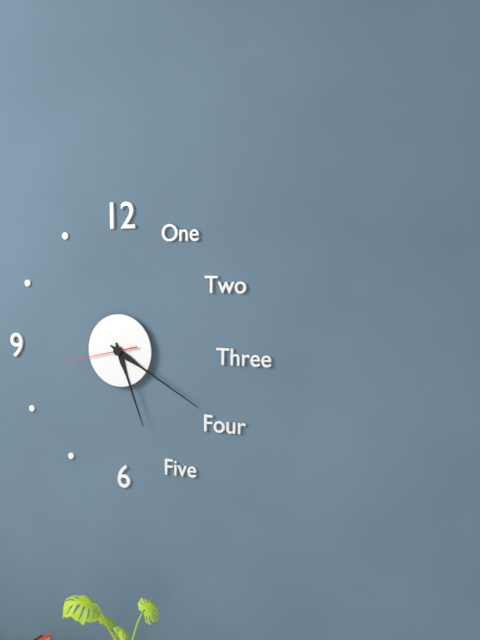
{"hour": 5, "minute": 20, "second": 43}
